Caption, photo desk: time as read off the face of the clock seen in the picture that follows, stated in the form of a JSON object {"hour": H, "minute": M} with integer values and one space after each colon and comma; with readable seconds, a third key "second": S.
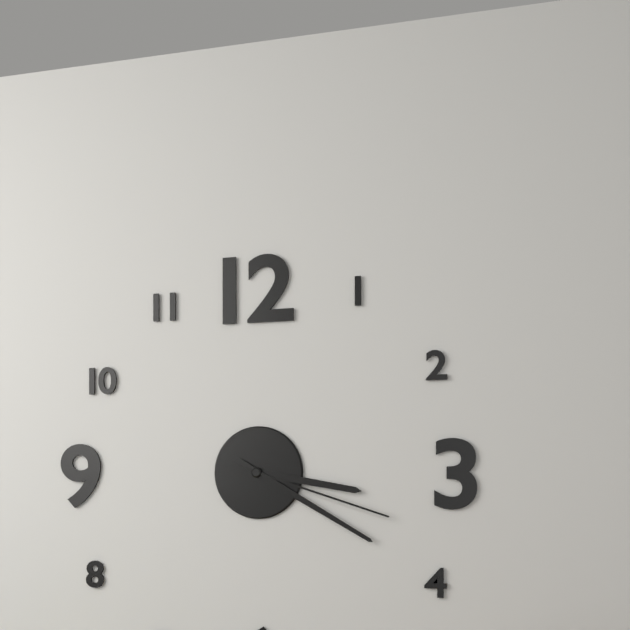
{"hour": 3, "minute": 20, "second": 18}
